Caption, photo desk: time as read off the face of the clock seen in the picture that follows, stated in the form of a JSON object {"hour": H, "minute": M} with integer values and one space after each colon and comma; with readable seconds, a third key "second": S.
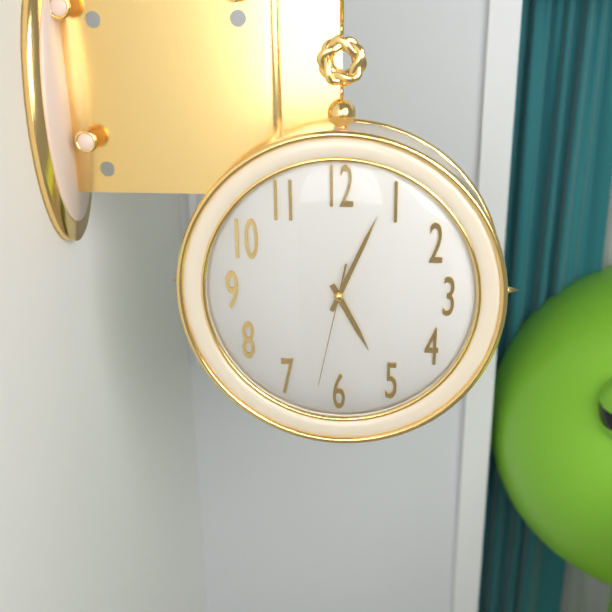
{"hour": 5, "minute": 4, "second": 32}
